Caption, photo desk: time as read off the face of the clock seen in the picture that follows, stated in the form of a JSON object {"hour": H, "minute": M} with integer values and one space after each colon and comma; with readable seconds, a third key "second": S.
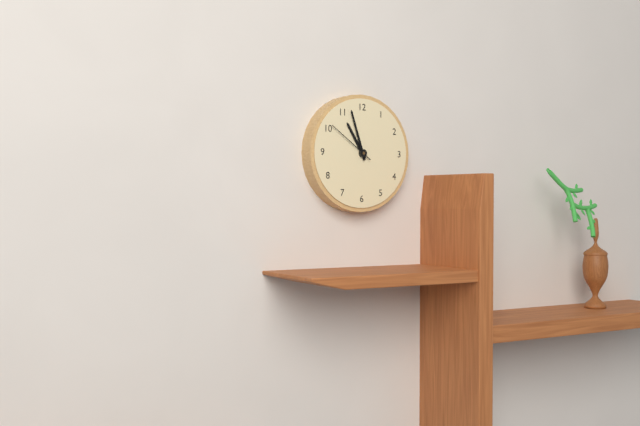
{"hour": 10, "minute": 57, "second": 51}
